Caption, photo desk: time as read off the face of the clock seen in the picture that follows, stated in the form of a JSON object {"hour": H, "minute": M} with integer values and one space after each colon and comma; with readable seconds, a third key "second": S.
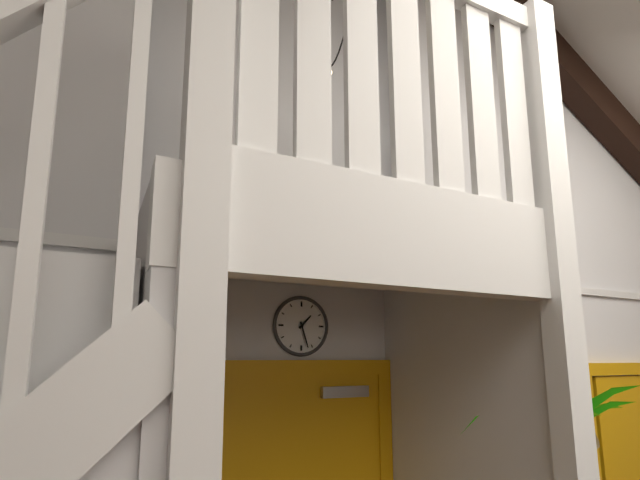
{"hour": 1, "minute": 27}
